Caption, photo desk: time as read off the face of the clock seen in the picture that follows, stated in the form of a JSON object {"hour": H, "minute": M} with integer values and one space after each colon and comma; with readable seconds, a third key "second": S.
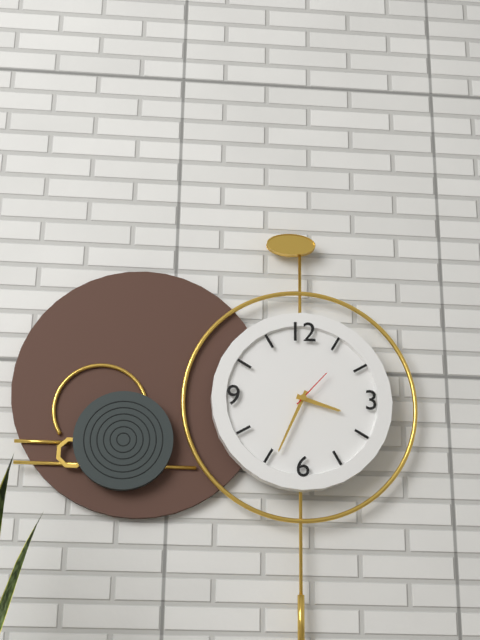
{"hour": 3, "minute": 34}
